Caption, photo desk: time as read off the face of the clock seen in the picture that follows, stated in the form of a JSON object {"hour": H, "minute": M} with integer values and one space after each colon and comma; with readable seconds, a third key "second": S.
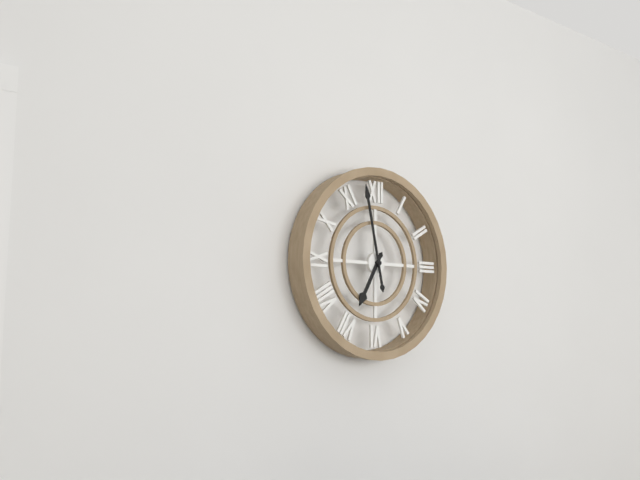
{"hour": 6, "minute": 58}
